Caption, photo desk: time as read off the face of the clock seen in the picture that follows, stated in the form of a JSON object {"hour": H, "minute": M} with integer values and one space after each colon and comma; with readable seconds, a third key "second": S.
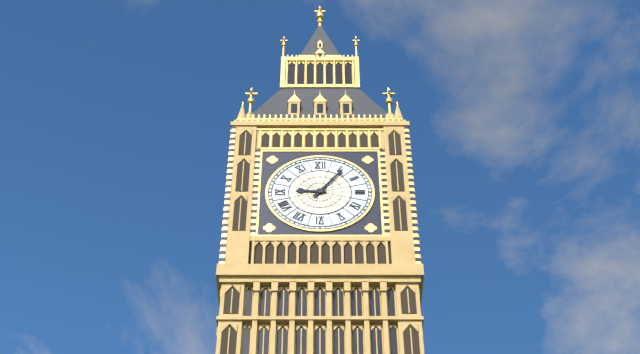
{"hour": 9, "minute": 6}
